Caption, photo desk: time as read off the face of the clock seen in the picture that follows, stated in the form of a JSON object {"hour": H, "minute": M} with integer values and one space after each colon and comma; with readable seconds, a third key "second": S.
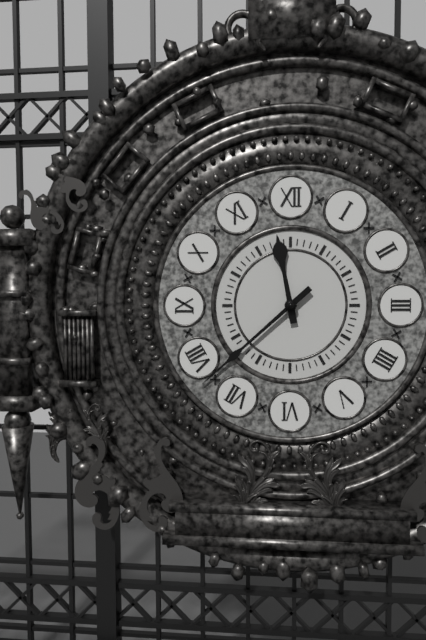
{"hour": 11, "minute": 38}
